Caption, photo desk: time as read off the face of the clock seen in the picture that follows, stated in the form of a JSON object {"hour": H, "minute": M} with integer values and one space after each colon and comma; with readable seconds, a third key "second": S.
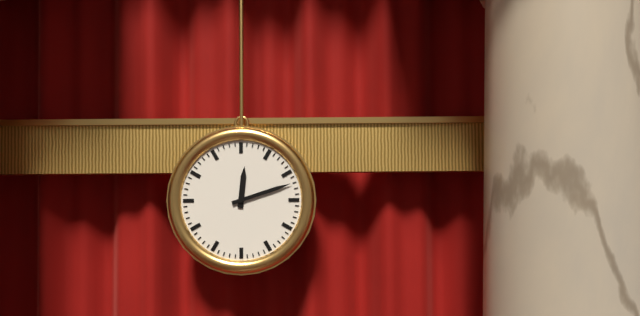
{"hour": 12, "minute": 12}
